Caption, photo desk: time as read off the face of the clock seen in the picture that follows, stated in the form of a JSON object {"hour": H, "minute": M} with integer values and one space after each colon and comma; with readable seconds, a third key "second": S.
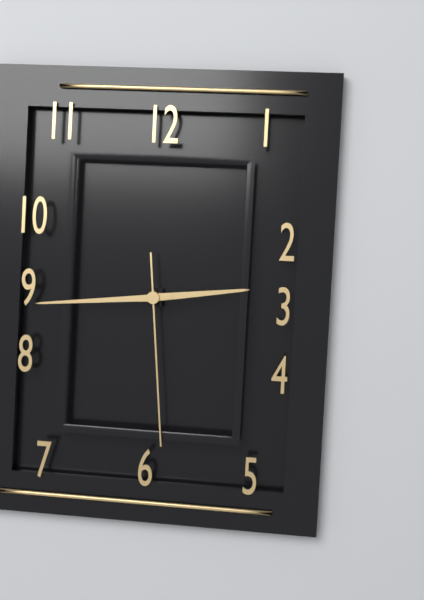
{"hour": 2, "minute": 44, "second": 29}
